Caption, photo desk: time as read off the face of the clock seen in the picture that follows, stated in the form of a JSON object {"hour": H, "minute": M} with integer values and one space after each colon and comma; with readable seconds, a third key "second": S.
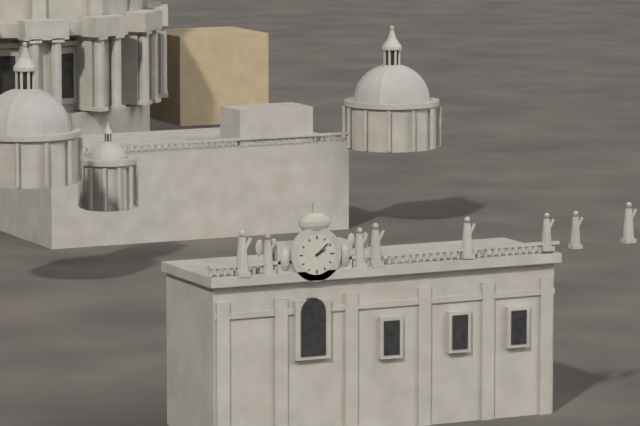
{"hour": 2, "minute": 8}
